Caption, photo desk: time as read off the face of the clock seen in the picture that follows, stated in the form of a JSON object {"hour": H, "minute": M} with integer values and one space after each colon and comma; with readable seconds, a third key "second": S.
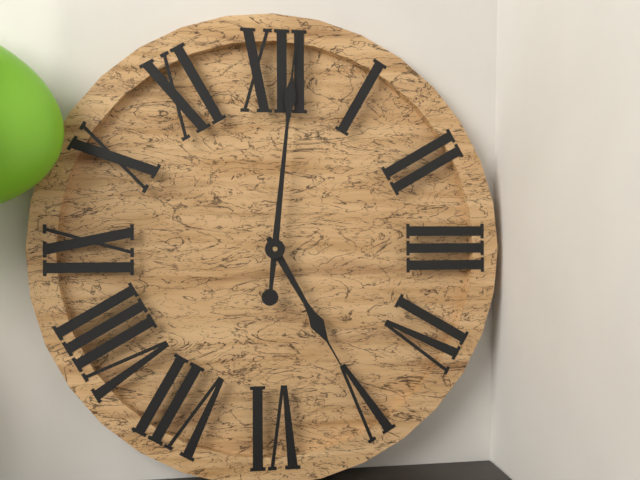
{"hour": 5, "minute": 1}
